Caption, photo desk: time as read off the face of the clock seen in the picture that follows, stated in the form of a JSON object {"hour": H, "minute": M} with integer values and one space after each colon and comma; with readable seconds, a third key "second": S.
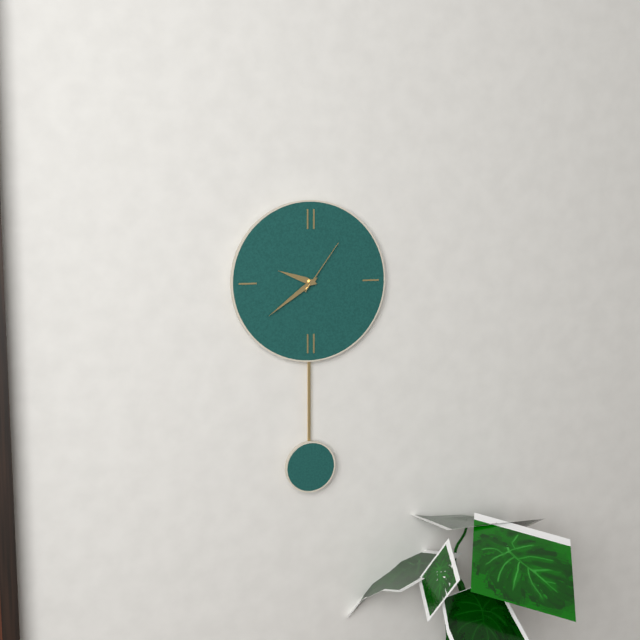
{"hour": 9, "minute": 39, "second": 6}
